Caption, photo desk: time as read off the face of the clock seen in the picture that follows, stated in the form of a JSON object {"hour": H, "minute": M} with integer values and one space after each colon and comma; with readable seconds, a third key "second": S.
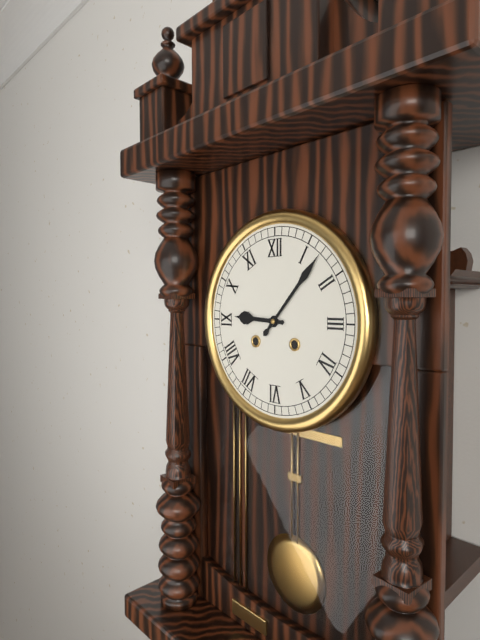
{"hour": 9, "minute": 7}
